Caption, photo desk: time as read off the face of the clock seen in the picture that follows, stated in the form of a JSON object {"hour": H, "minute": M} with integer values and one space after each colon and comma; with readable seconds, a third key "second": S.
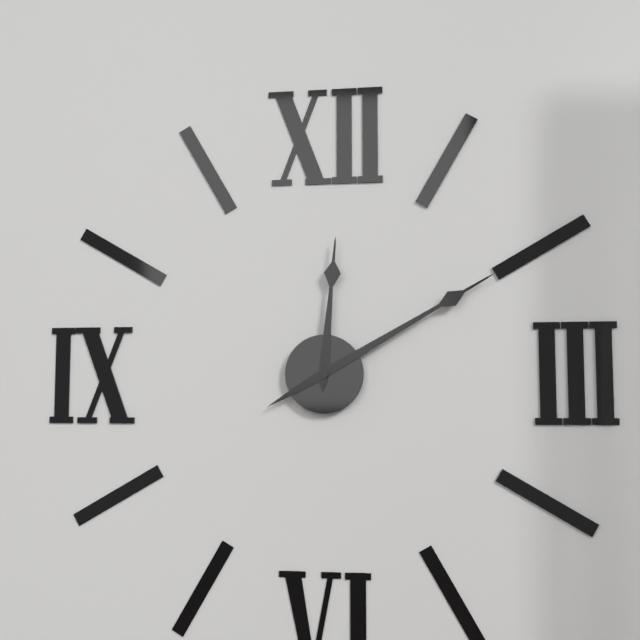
{"hour": 12, "minute": 10}
